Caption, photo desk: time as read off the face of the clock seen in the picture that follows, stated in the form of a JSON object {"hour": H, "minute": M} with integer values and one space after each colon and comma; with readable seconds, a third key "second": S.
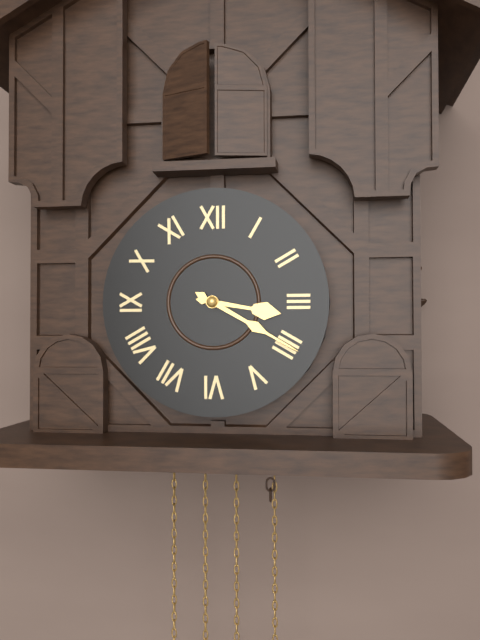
{"hour": 3, "minute": 20}
